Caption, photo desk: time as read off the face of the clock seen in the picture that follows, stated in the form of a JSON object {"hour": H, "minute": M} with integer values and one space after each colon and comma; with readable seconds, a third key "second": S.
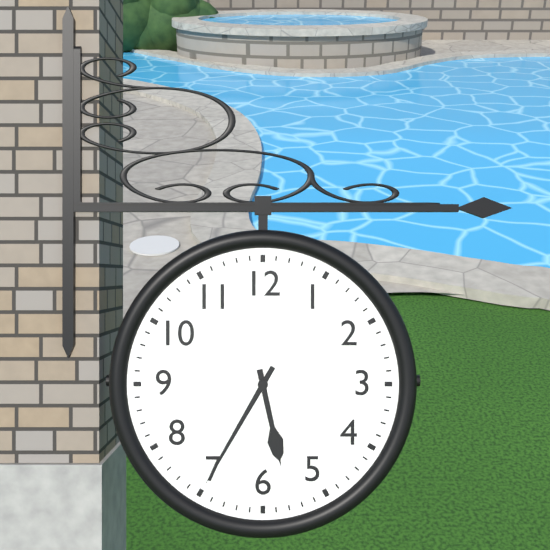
{"hour": 5, "minute": 35}
